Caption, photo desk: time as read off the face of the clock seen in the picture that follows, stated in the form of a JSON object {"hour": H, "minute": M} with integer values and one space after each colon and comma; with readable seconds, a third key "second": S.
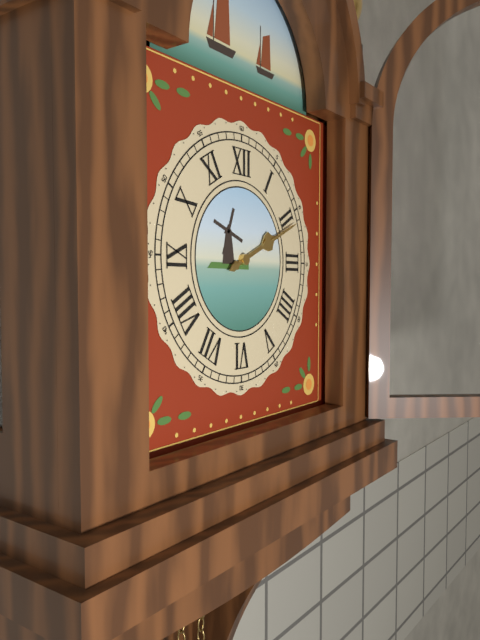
{"hour": 2, "minute": 11}
